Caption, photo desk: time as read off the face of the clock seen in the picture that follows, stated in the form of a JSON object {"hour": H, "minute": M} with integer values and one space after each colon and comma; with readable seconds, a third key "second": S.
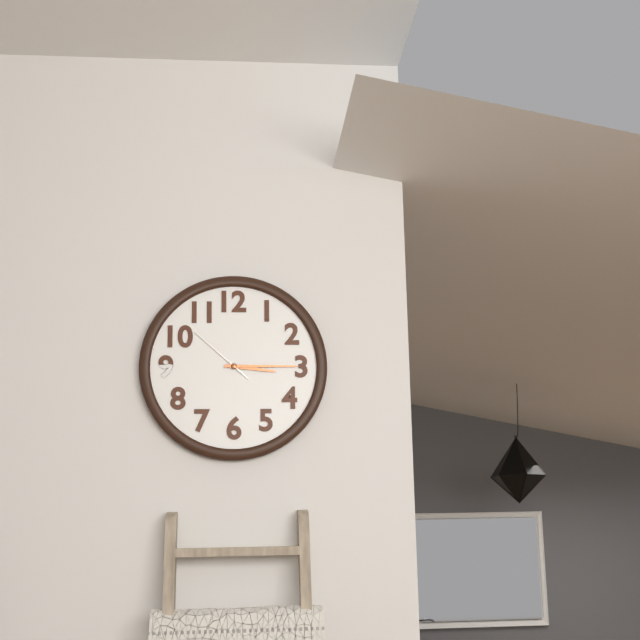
{"hour": 3, "minute": 15, "second": 52}
